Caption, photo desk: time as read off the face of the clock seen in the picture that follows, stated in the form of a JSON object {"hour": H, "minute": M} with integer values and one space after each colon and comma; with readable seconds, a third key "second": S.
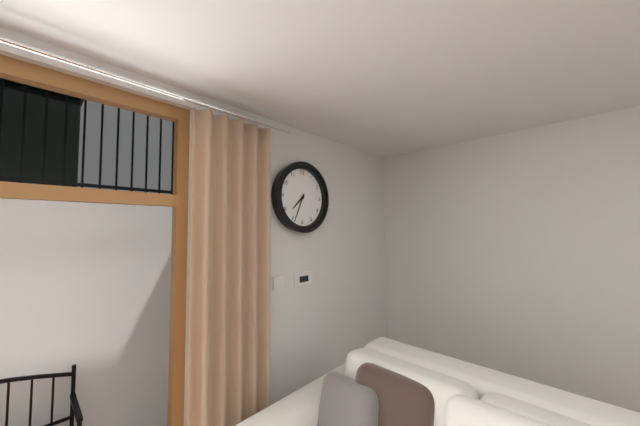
{"hour": 7, "minute": 34}
